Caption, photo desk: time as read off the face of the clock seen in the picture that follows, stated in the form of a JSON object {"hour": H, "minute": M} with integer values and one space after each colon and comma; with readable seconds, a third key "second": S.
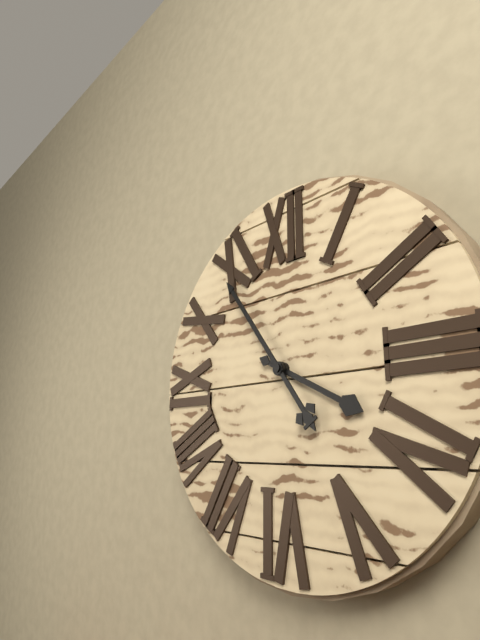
{"hour": 3, "minute": 54}
